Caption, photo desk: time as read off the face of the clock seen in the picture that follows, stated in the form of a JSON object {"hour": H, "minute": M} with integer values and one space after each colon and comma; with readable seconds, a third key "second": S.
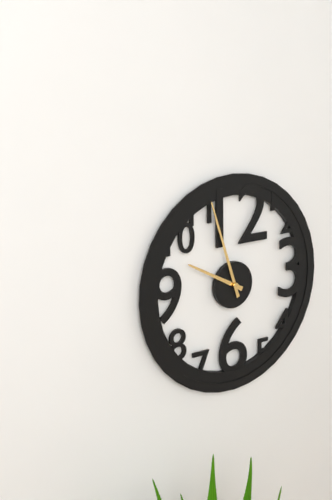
{"hour": 9, "minute": 57}
